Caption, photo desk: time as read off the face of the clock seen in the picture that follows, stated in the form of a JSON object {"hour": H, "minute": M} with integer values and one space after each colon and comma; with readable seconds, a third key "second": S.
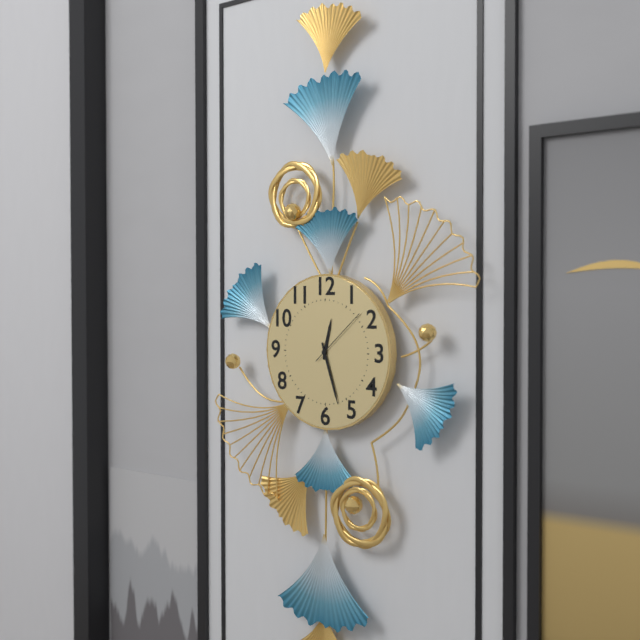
{"hour": 12, "minute": 27, "second": 8}
